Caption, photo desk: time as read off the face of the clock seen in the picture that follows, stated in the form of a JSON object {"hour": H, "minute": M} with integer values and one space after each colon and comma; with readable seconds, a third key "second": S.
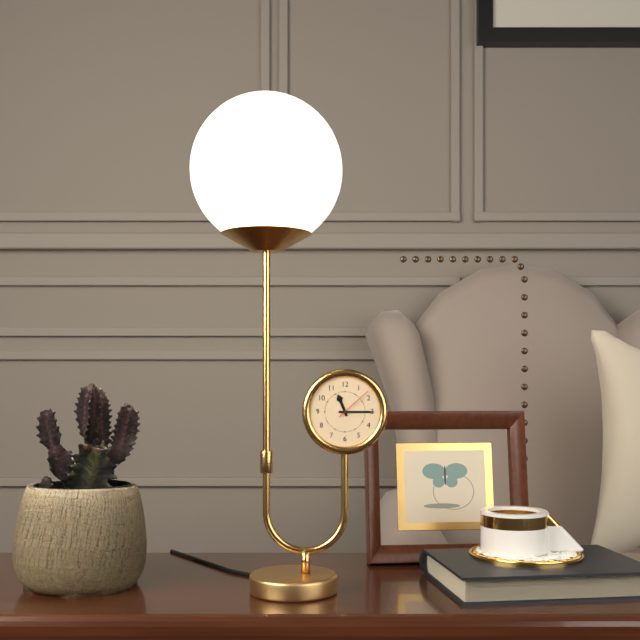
{"hour": 11, "minute": 15}
